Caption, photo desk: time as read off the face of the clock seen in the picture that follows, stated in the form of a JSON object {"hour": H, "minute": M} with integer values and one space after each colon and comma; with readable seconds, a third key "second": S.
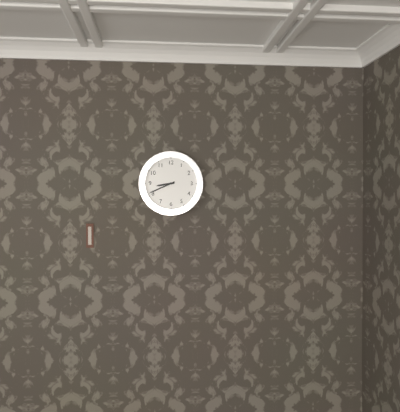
{"hour": 8, "minute": 41}
